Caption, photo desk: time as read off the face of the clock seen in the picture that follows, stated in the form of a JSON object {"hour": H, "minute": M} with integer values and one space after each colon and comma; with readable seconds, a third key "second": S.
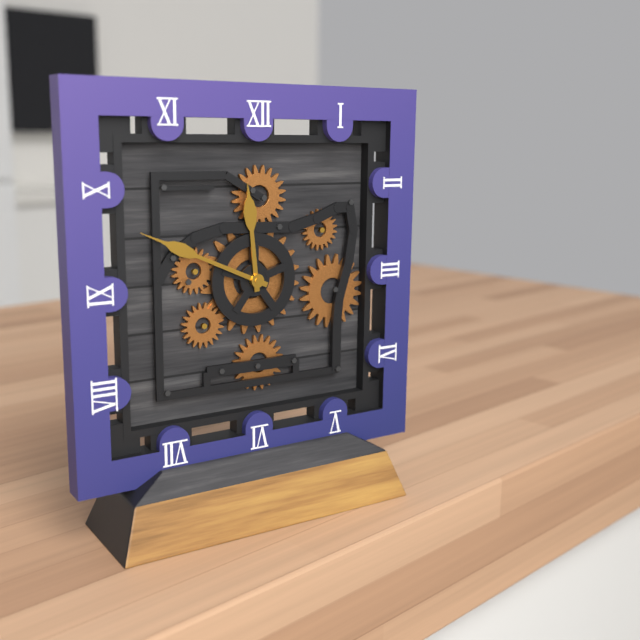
{"hour": 11, "minute": 49}
